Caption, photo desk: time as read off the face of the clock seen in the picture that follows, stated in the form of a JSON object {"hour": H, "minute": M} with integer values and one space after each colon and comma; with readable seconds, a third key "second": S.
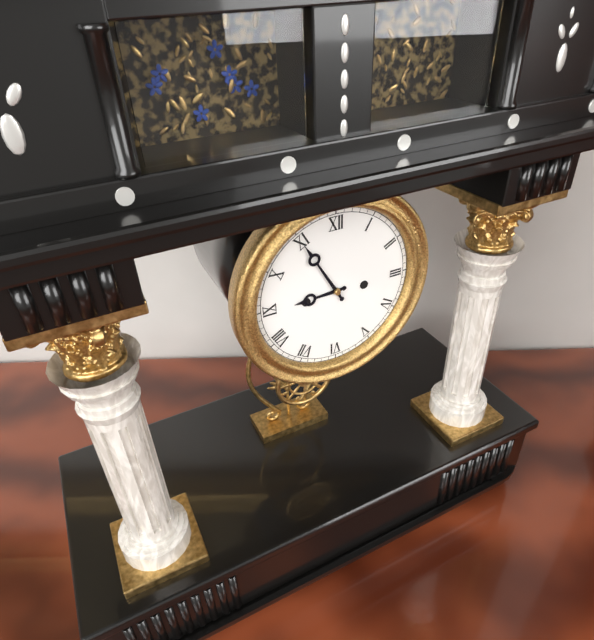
{"hour": 8, "minute": 55}
